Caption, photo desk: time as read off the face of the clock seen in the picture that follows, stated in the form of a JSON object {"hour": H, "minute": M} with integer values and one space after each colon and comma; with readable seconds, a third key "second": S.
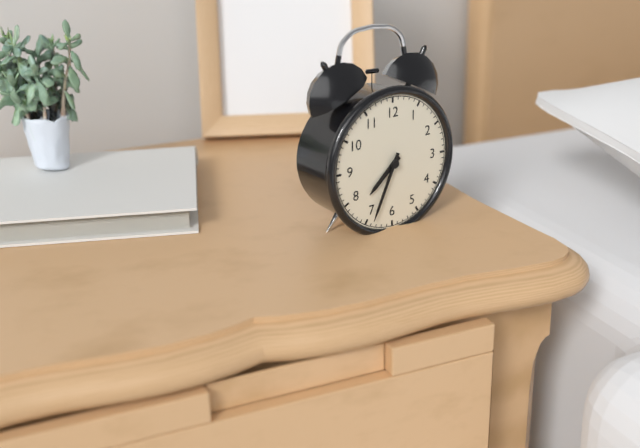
{"hour": 7, "minute": 34}
